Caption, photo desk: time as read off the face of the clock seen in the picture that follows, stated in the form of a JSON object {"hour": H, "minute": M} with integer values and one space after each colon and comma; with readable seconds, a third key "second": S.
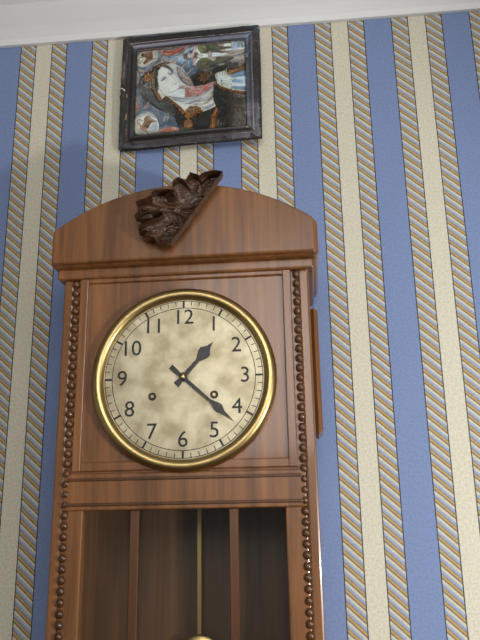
{"hour": 1, "minute": 22}
